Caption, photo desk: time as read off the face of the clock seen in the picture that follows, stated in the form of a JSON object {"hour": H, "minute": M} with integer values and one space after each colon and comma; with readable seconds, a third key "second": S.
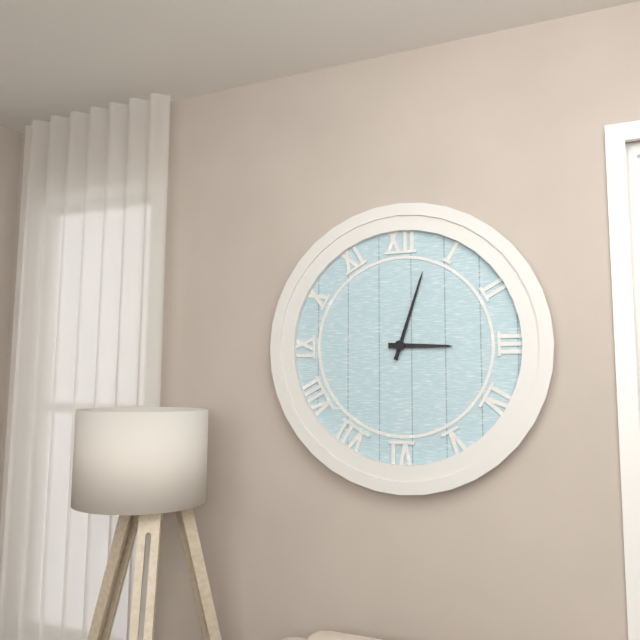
{"hour": 3, "minute": 3}
